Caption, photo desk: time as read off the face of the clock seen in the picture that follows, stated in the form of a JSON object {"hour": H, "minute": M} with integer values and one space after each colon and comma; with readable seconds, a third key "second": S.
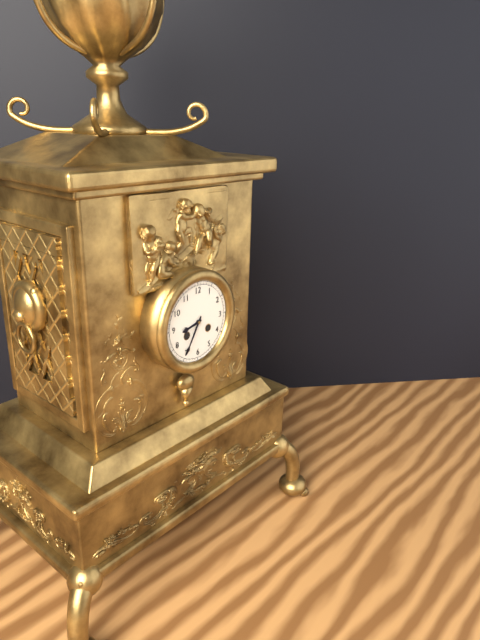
{"hour": 8, "minute": 35}
